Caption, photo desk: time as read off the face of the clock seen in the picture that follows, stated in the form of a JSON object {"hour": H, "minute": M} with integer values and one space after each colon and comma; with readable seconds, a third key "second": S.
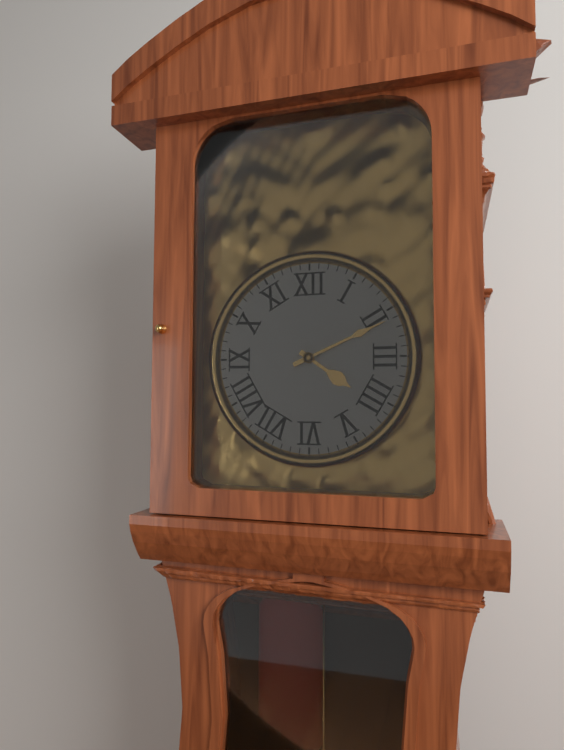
{"hour": 4, "minute": 11}
